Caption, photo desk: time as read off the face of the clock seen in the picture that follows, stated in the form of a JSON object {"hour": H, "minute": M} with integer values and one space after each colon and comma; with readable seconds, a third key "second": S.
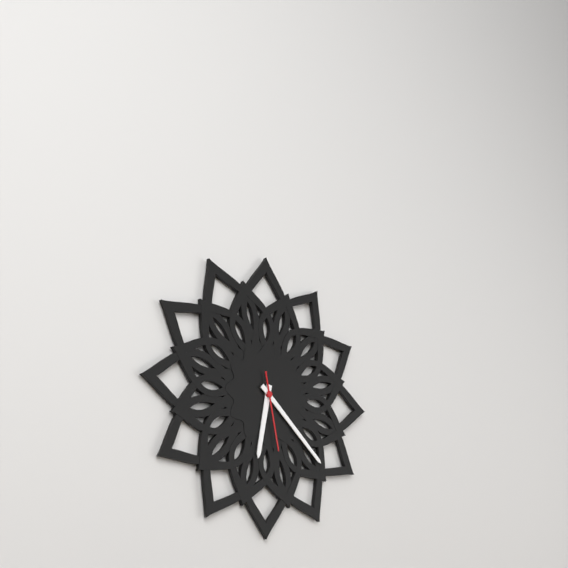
{"hour": 6, "minute": 22, "second": 28}
